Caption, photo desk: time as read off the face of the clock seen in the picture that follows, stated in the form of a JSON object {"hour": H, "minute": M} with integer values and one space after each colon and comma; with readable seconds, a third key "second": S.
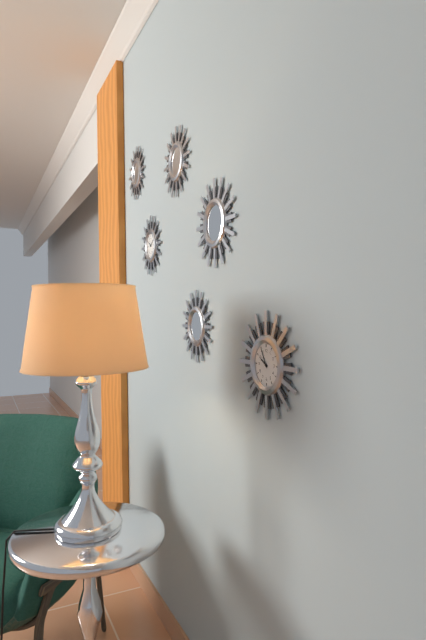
{"hour": 9, "minute": 55}
